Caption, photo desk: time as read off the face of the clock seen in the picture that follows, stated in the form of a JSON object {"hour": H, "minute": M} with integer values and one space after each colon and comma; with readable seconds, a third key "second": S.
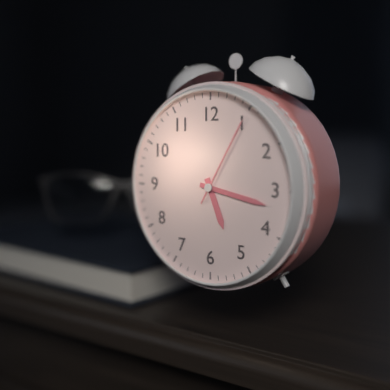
{"hour": 5, "minute": 17, "second": 5}
